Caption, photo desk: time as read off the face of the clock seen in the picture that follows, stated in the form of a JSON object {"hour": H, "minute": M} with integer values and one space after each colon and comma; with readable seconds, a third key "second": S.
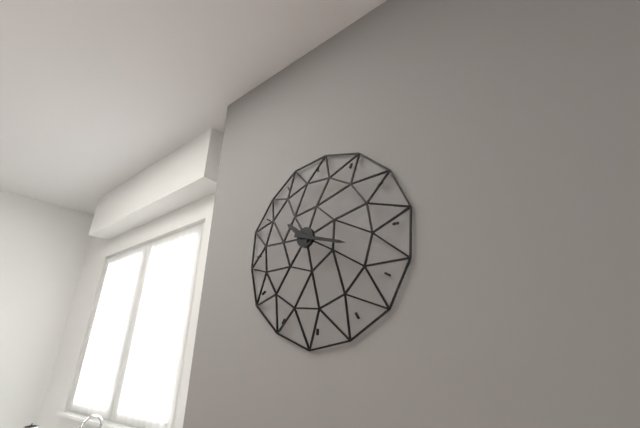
{"hour": 10, "minute": 18}
